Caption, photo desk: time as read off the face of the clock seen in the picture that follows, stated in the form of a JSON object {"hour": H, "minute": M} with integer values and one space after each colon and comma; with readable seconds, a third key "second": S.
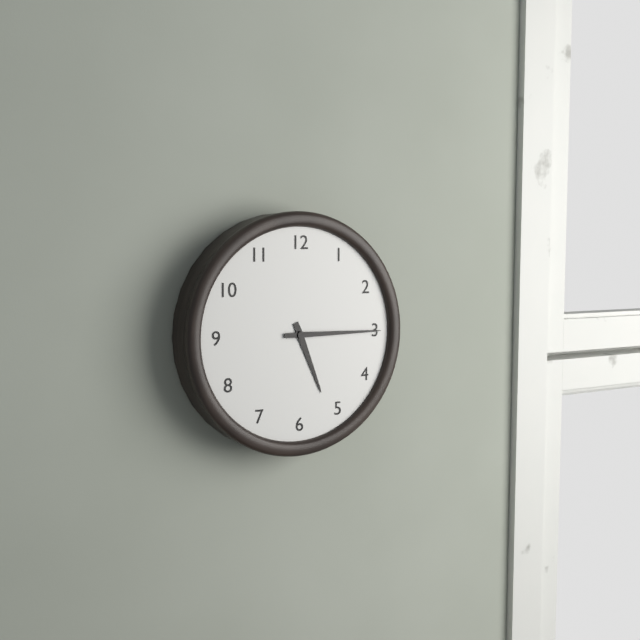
{"hour": 5, "minute": 15}
